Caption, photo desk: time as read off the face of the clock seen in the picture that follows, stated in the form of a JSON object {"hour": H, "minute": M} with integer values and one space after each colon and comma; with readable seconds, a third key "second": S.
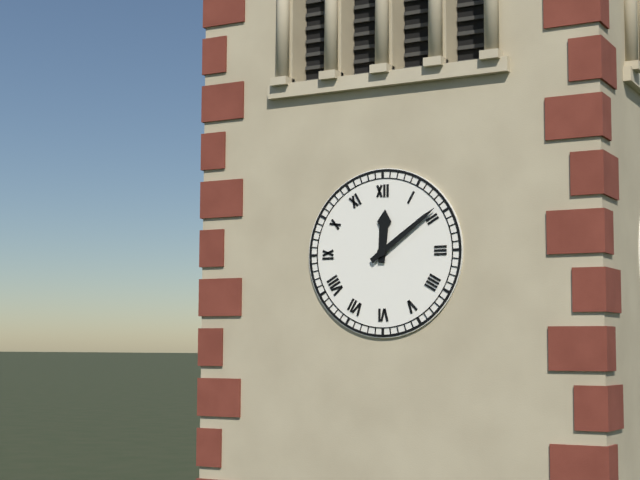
{"hour": 12, "minute": 9}
